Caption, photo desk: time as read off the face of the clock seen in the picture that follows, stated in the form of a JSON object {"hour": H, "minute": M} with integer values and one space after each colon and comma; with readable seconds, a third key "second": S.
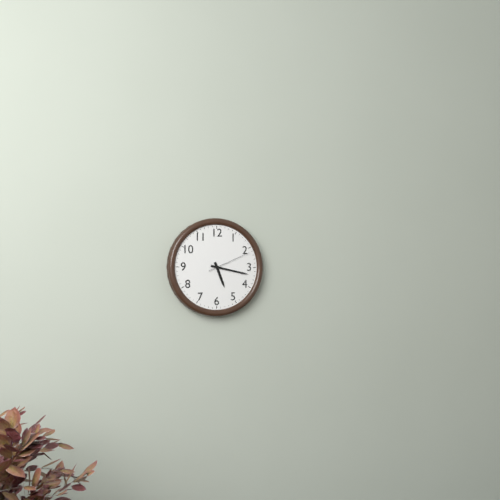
{"hour": 5, "minute": 17}
